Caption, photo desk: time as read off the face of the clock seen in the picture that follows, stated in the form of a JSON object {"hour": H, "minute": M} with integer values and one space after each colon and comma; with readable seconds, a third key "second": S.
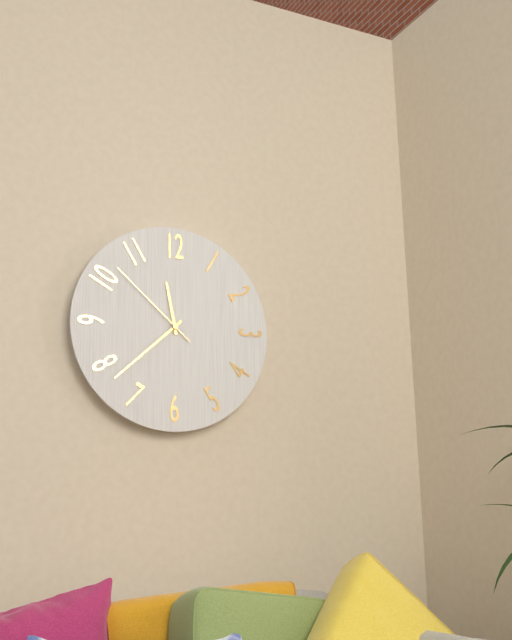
{"hour": 11, "minute": 38, "second": 52}
